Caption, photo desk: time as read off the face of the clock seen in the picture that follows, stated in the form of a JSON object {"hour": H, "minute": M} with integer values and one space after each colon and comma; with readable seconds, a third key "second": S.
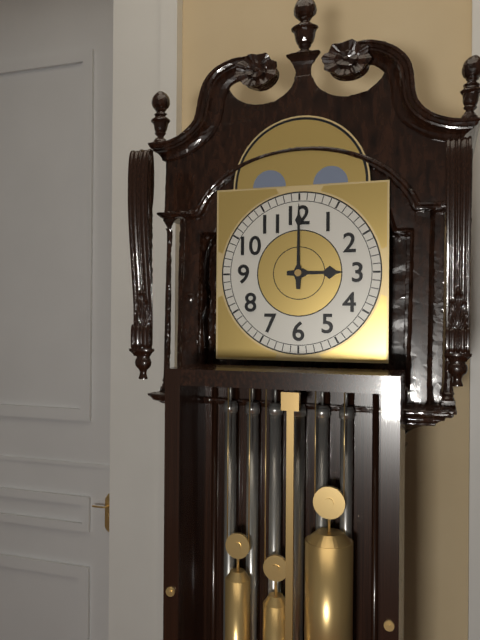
{"hour": 3, "minute": 0}
